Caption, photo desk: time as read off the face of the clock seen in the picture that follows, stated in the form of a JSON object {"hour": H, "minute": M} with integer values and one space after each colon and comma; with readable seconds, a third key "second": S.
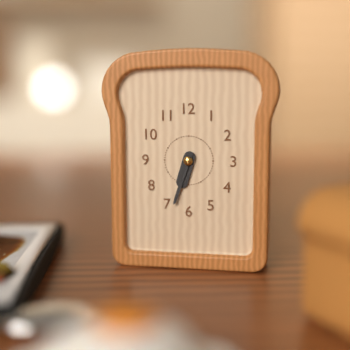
{"hour": 6, "minute": 33}
